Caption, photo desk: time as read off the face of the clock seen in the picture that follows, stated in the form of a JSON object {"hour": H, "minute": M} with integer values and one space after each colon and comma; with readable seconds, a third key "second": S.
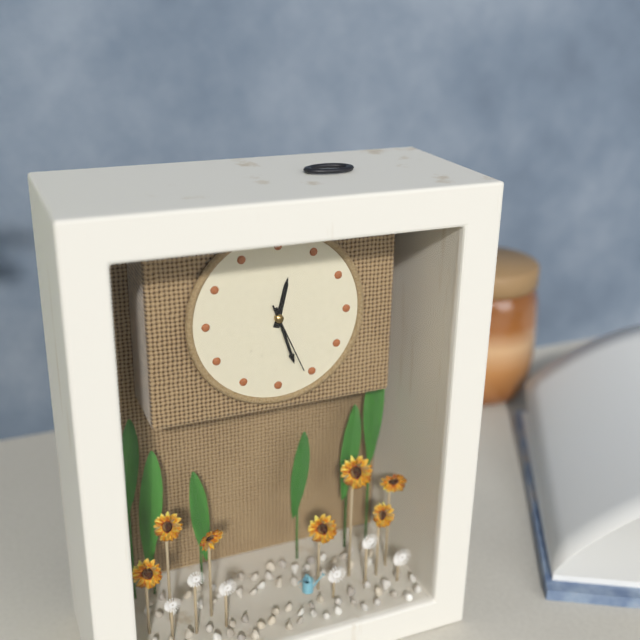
{"hour": 12, "minute": 27, "second": 26}
